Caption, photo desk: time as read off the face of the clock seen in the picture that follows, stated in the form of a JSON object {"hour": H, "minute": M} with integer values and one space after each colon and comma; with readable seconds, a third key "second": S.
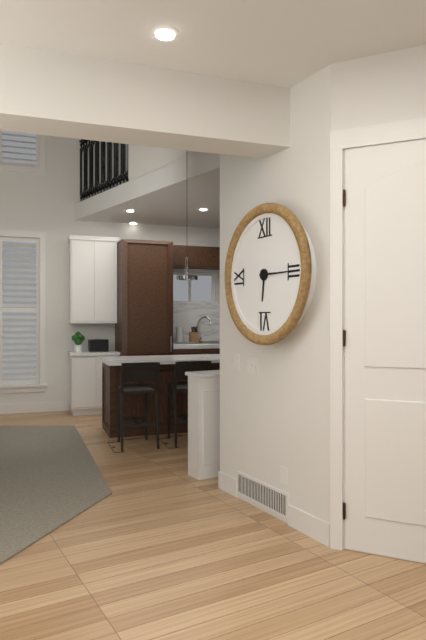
{"hour": 6, "minute": 15}
